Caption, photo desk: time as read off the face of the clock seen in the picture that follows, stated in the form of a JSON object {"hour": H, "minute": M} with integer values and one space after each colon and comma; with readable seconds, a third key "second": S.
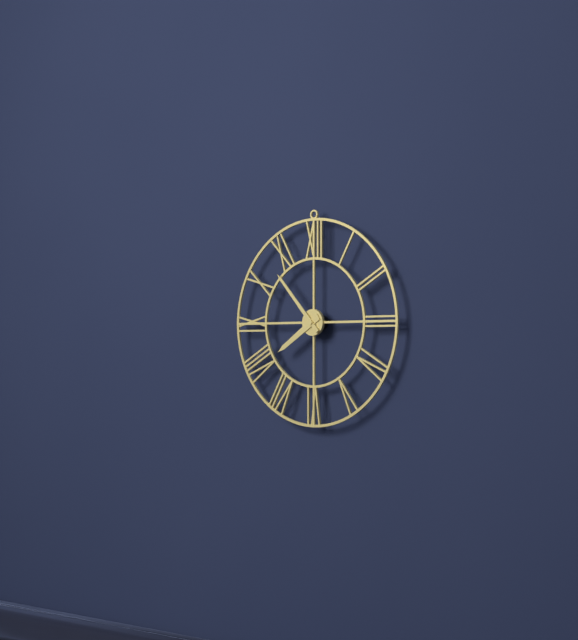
{"hour": 7, "minute": 53}
